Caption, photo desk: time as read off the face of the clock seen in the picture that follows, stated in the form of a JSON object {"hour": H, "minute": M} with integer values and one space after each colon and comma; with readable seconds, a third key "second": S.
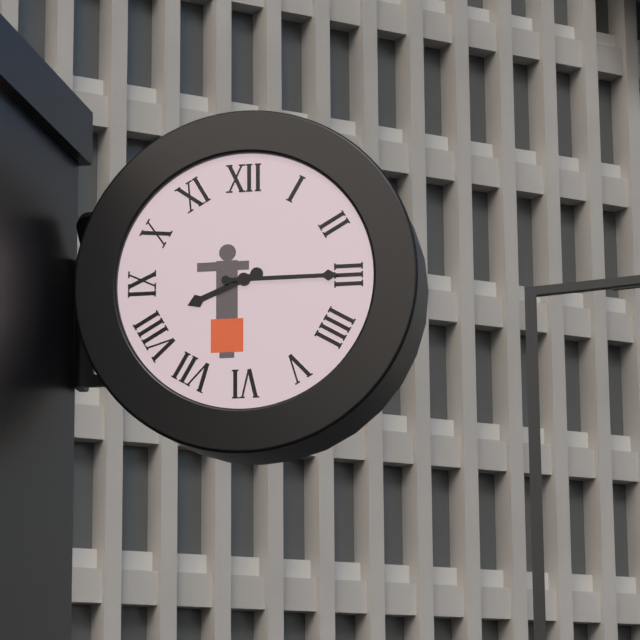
{"hour": 8, "minute": 15}
